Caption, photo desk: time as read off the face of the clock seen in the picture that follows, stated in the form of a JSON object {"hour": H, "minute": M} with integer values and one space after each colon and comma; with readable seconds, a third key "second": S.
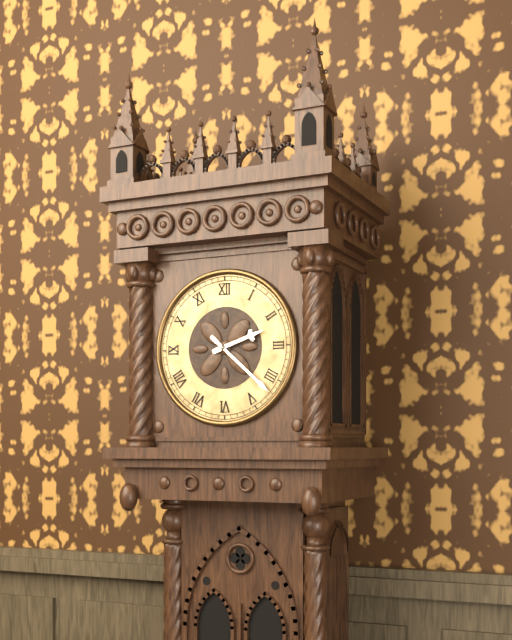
{"hour": 2, "minute": 22}
